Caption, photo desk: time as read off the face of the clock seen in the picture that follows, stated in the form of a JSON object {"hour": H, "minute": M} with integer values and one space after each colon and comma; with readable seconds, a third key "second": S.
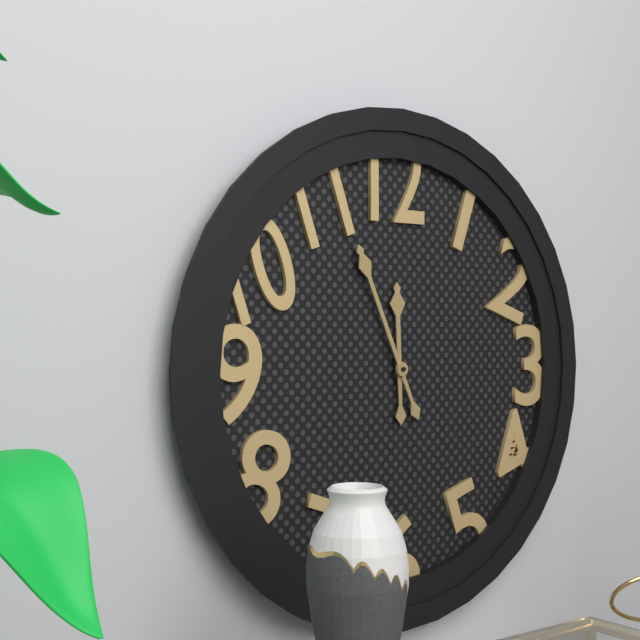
{"hour": 11, "minute": 56}
